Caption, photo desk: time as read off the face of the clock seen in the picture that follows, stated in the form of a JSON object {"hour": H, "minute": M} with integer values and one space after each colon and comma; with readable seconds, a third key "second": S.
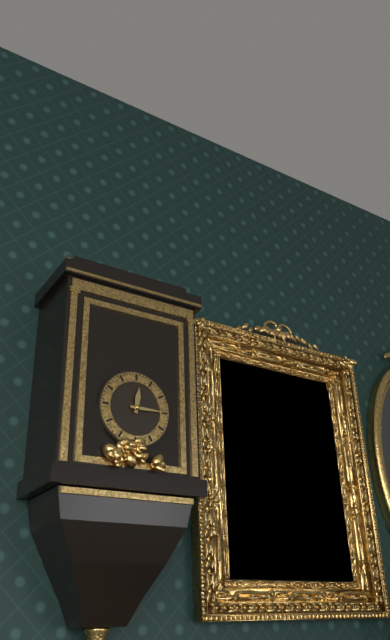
{"hour": 12, "minute": 15}
